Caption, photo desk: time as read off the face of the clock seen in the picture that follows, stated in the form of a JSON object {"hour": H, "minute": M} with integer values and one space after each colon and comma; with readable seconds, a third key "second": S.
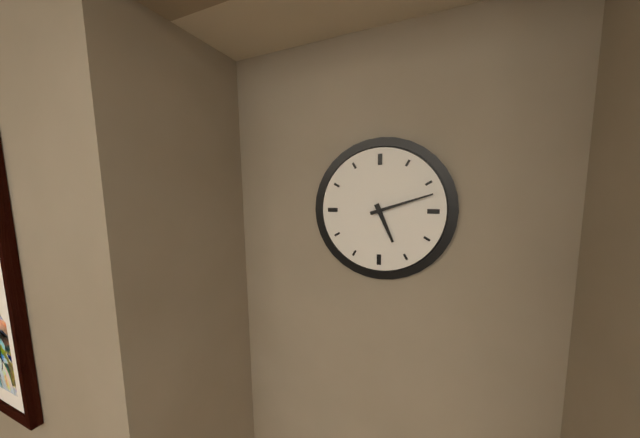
{"hour": 5, "minute": 12}
